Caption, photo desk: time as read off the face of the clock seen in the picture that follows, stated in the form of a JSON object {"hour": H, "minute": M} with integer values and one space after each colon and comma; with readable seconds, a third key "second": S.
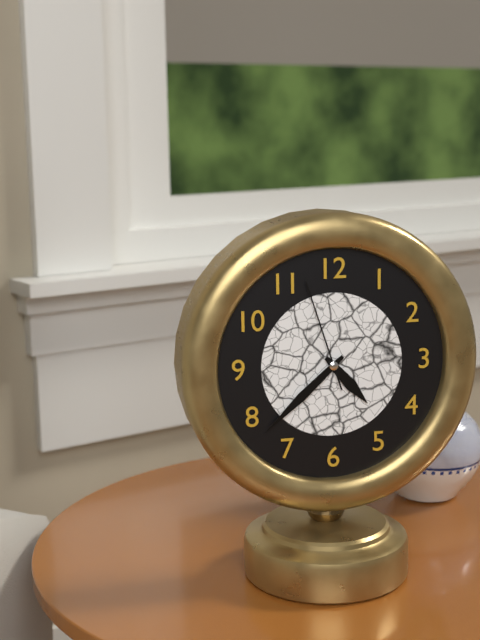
{"hour": 4, "minute": 38, "second": 57}
